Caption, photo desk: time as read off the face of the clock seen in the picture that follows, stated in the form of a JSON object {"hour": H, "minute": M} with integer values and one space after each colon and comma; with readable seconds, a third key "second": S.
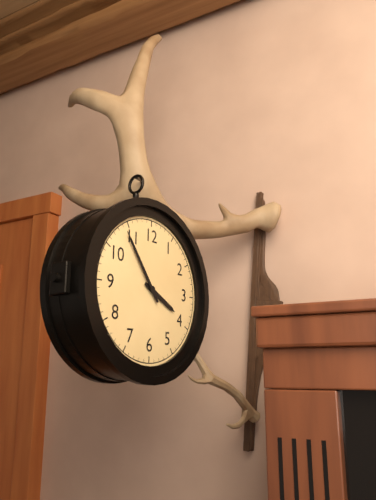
{"hour": 3, "minute": 54}
